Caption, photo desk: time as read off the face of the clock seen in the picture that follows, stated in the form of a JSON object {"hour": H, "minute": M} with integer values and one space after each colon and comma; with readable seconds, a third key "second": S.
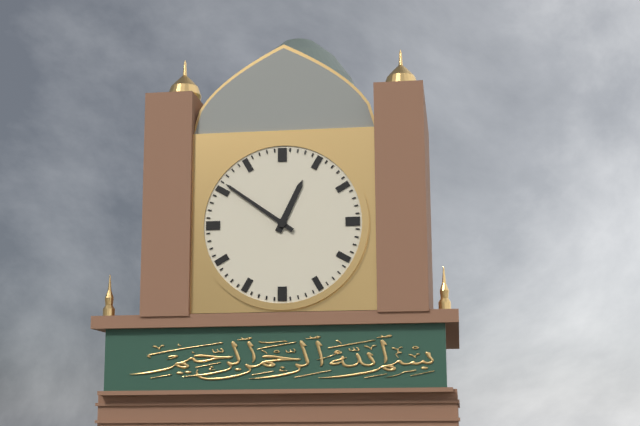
{"hour": 12, "minute": 51}
